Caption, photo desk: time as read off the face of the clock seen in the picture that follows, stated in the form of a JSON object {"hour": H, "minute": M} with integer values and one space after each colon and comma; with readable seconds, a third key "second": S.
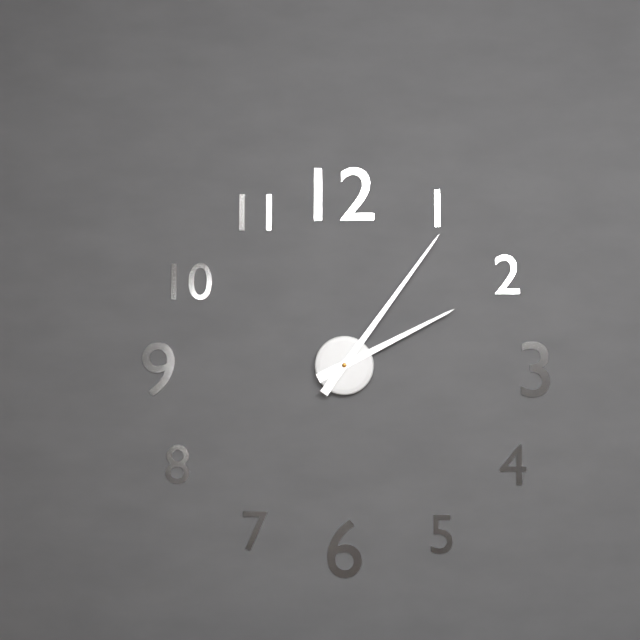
{"hour": 2, "minute": 6}
